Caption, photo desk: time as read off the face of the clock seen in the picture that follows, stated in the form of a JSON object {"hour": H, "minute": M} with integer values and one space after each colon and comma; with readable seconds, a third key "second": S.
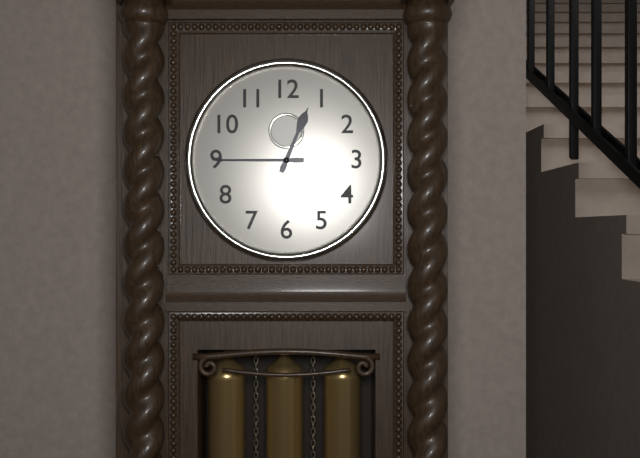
{"hour": 12, "minute": 45}
